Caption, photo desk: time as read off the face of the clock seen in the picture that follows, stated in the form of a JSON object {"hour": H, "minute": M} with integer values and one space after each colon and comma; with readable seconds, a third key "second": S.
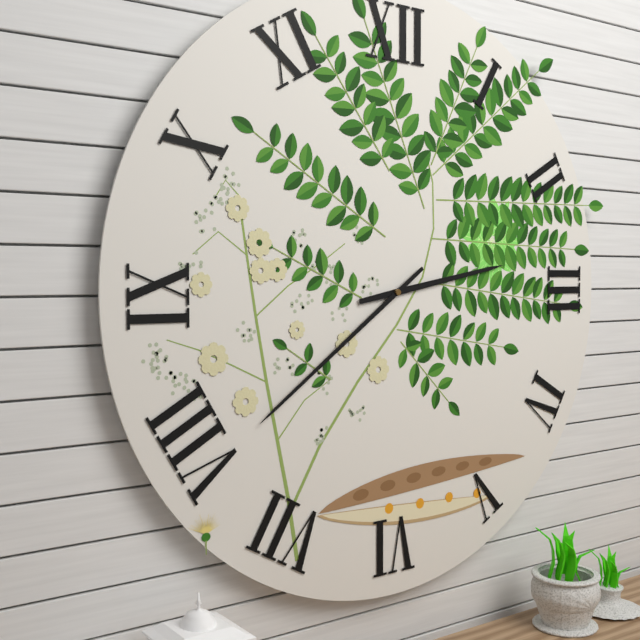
{"hour": 2, "minute": 39}
